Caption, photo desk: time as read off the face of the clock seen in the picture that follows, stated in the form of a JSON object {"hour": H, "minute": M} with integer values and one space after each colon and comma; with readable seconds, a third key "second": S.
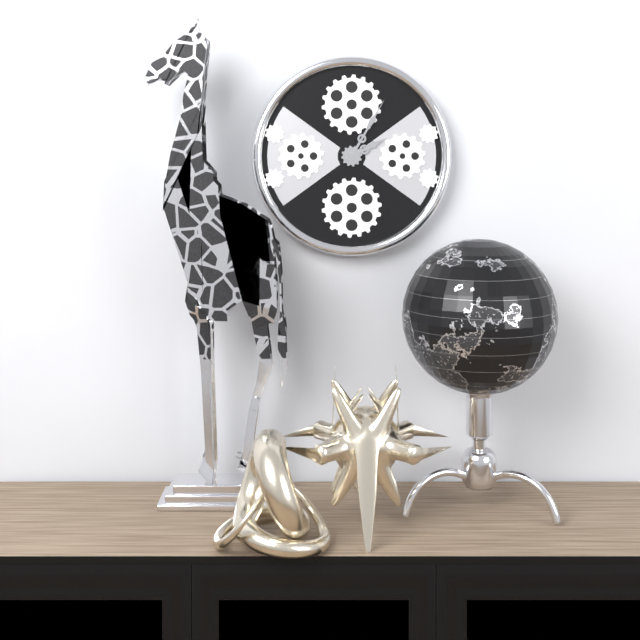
{"hour": 2, "minute": 5}
